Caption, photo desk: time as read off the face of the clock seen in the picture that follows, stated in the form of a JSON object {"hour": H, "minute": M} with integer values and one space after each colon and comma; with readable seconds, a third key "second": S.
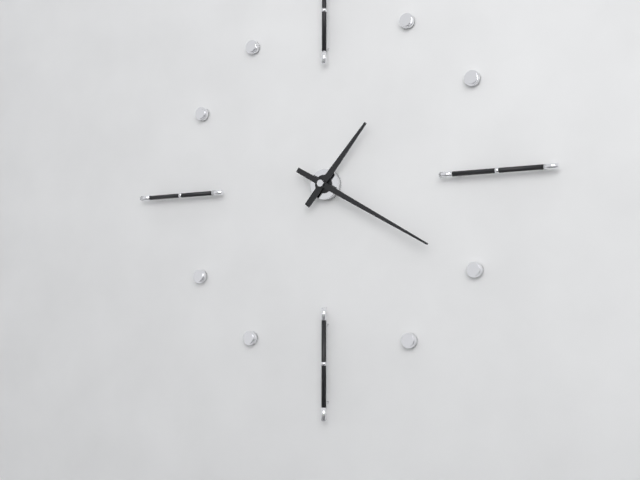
{"hour": 1, "minute": 20}
